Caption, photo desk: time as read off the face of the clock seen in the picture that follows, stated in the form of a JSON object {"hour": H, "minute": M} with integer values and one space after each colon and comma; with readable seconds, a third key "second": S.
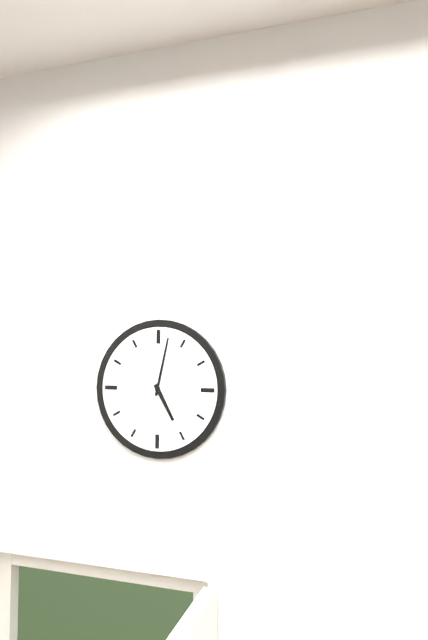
{"hour": 5, "minute": 2}
